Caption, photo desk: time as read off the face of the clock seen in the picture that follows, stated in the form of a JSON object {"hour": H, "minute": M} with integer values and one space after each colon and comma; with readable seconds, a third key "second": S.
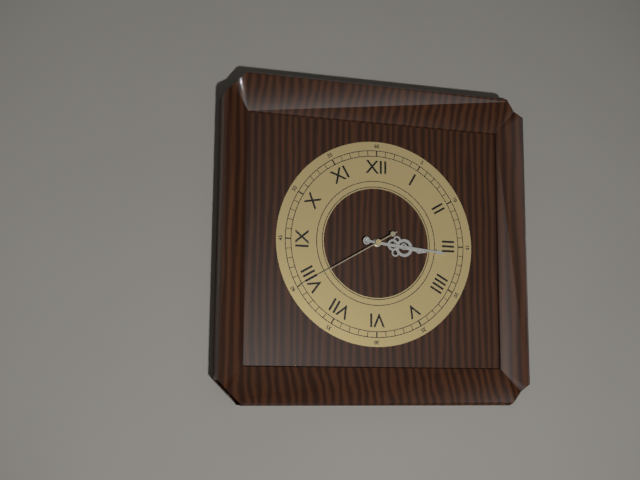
{"hour": 3, "minute": 16, "second": 40}
